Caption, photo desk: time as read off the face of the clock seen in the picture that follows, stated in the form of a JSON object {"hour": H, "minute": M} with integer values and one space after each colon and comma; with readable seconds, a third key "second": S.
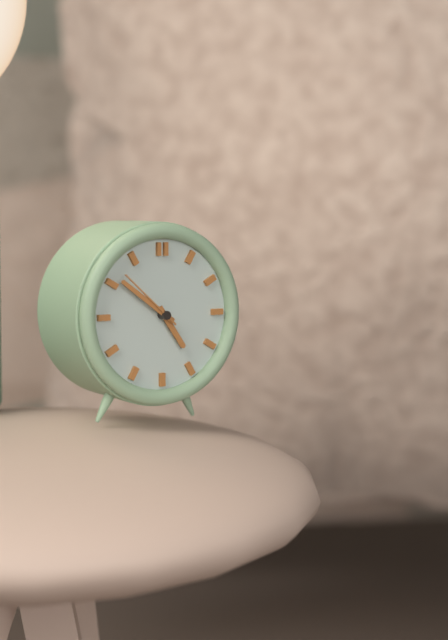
{"hour": 4, "minute": 51, "second": 52}
